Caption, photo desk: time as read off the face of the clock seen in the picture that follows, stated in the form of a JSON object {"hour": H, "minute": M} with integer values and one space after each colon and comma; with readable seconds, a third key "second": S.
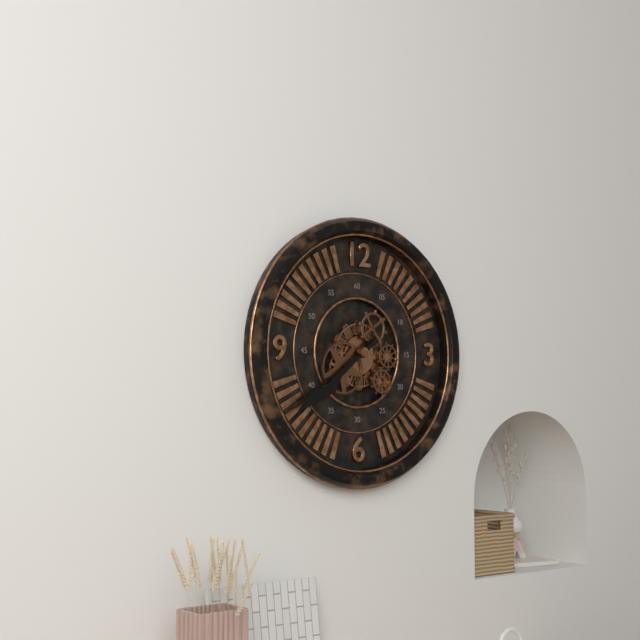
{"hour": 7, "minute": 39}
